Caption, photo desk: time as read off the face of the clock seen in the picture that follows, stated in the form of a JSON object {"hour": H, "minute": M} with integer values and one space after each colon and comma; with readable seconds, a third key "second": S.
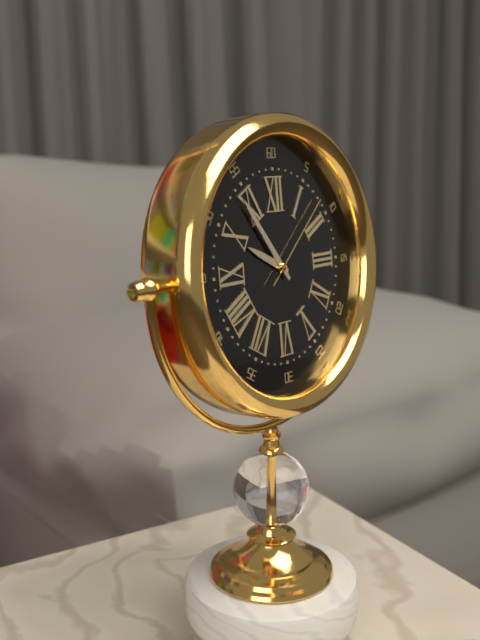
{"hour": 9, "minute": 54, "second": 8}
